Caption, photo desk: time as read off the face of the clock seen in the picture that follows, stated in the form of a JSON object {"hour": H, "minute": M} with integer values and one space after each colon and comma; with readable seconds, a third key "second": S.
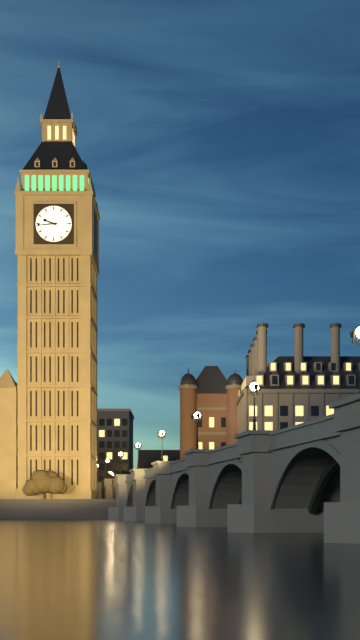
{"hour": 9, "minute": 44}
